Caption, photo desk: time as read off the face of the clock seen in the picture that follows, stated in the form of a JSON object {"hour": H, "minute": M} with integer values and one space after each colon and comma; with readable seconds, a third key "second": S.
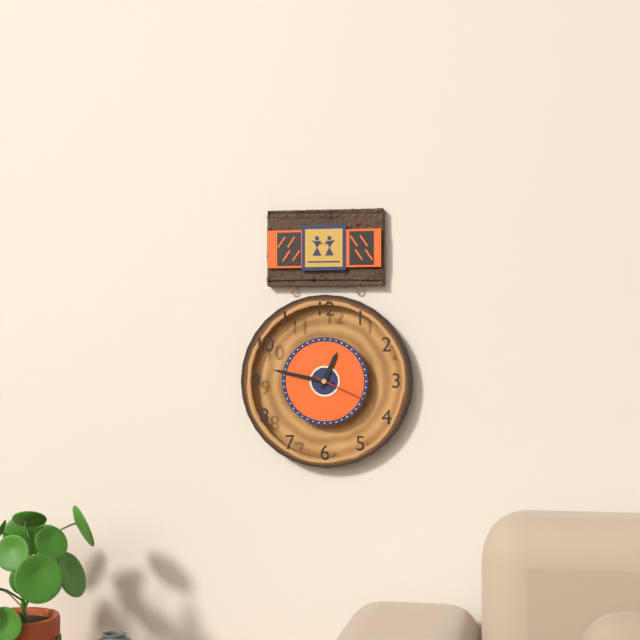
{"hour": 12, "minute": 47, "second": 19}
